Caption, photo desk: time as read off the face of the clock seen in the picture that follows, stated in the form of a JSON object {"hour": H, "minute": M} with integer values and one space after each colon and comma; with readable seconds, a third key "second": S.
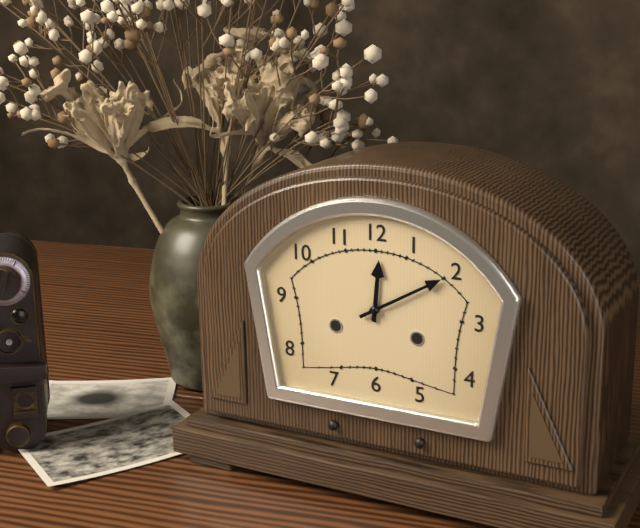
{"hour": 12, "minute": 10}
